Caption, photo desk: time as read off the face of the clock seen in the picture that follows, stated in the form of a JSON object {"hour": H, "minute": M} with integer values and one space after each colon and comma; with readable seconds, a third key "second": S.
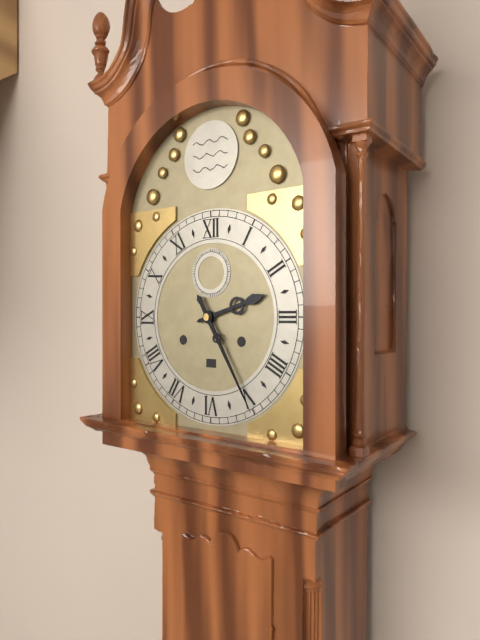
{"hour": 2, "minute": 25}
